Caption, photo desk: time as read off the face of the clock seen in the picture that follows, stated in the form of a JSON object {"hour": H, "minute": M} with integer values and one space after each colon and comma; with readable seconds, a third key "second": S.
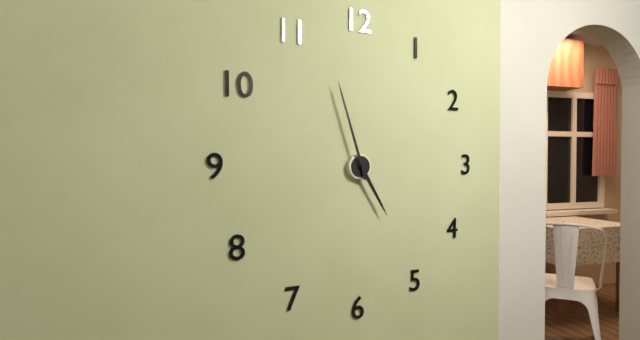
{"hour": 4, "minute": 57}
